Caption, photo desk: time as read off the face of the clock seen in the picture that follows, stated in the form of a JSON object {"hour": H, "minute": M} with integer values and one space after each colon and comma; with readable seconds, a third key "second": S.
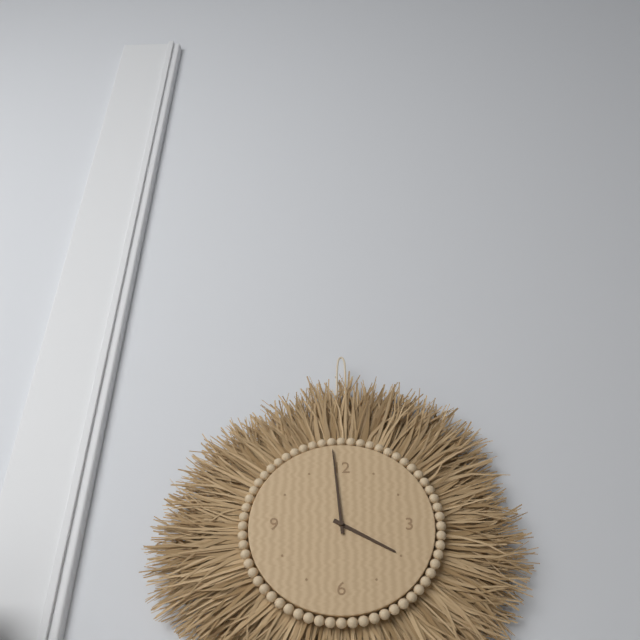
{"hour": 3, "minute": 59}
